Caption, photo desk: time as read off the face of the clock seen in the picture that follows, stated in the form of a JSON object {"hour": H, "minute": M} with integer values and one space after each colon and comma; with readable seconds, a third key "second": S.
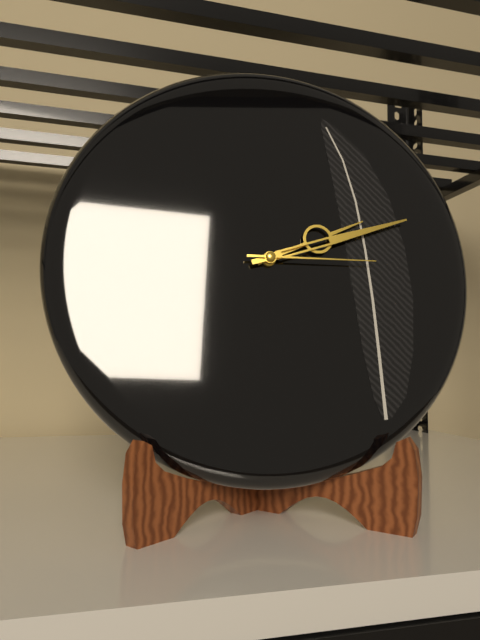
{"hour": 2, "minute": 12, "second": 15}
